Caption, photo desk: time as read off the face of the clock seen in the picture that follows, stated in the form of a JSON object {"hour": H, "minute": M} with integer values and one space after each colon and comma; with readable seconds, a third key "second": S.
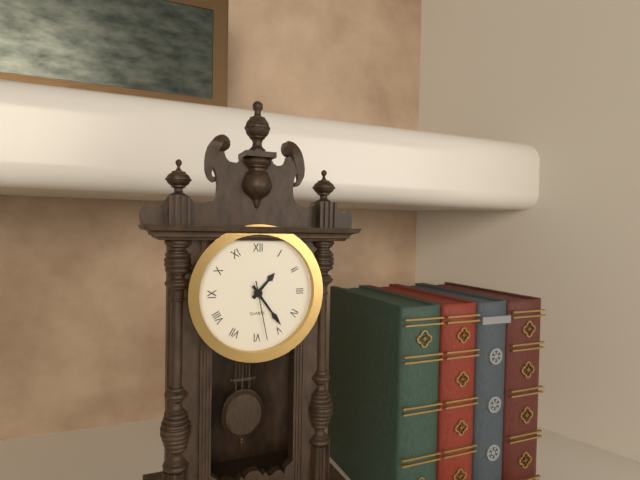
{"hour": 1, "minute": 24, "second": 28}
